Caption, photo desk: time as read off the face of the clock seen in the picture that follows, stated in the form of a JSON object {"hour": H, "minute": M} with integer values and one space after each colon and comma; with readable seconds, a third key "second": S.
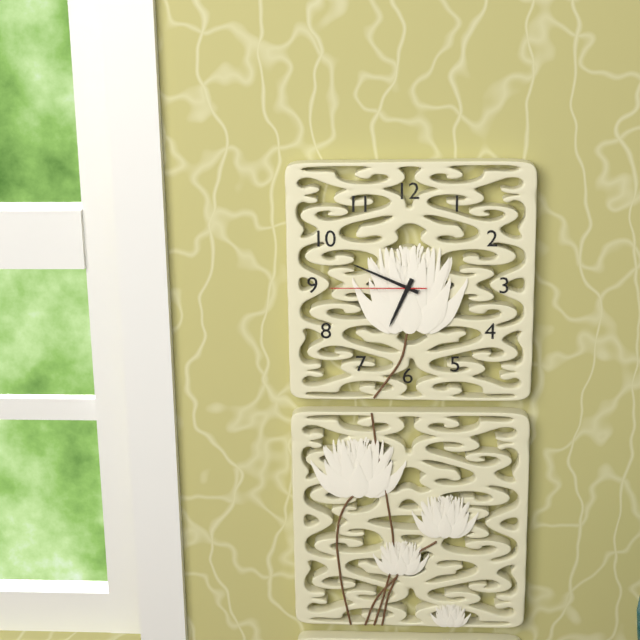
{"hour": 6, "minute": 49, "second": 45}
